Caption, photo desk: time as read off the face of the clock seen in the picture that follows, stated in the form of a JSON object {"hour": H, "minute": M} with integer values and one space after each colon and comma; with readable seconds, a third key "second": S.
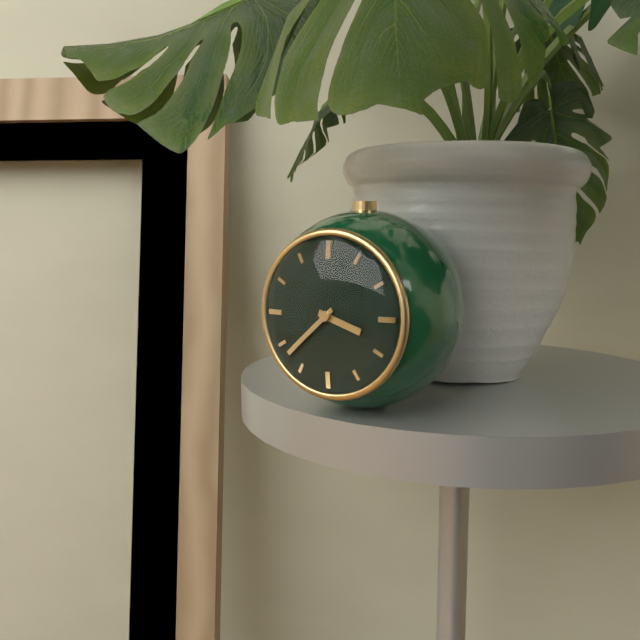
{"hour": 3, "minute": 38}
